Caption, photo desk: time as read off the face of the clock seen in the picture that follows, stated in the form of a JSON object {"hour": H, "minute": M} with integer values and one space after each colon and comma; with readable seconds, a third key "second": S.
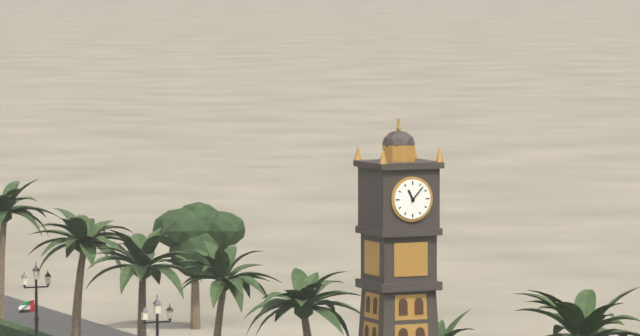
{"hour": 11, "minute": 7}
